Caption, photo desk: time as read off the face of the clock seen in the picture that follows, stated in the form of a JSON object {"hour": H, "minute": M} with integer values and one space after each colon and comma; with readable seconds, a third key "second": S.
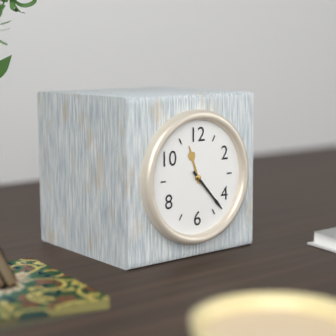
{"hour": 11, "minute": 23}
